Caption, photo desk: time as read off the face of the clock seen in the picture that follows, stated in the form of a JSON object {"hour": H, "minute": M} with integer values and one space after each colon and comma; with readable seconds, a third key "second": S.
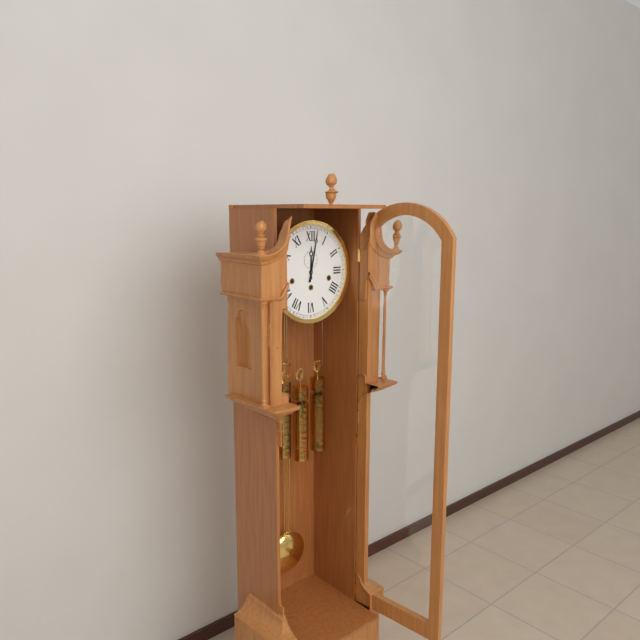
{"hour": 12, "minute": 2}
